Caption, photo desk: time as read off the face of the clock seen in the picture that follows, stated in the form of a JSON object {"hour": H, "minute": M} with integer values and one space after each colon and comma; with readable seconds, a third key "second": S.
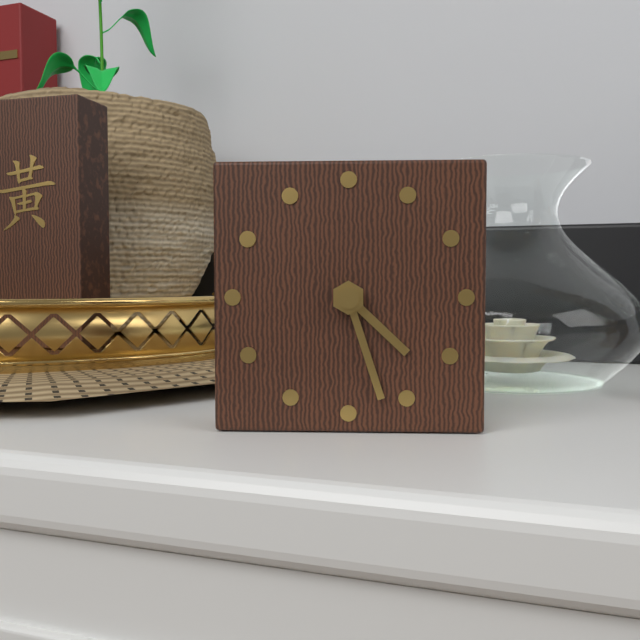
{"hour": 4, "minute": 27}
